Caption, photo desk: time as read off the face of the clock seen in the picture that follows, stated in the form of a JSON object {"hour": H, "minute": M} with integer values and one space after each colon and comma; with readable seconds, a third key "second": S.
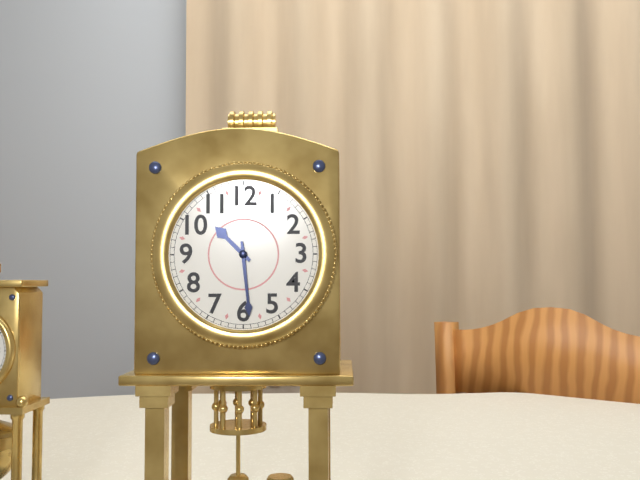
{"hour": 10, "minute": 29}
